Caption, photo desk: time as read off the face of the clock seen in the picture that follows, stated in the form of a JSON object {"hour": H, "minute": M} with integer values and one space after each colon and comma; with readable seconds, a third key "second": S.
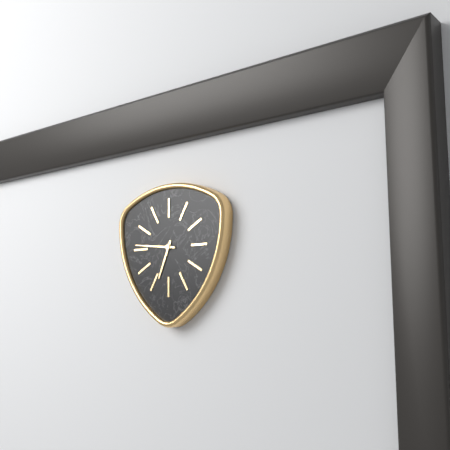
{"hour": 6, "minute": 46}
